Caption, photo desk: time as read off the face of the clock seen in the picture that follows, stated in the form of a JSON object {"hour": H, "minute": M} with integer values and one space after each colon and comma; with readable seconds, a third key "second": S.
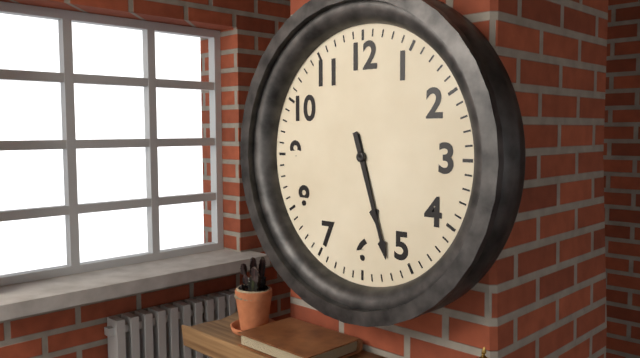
{"hour": 5, "minute": 27}
